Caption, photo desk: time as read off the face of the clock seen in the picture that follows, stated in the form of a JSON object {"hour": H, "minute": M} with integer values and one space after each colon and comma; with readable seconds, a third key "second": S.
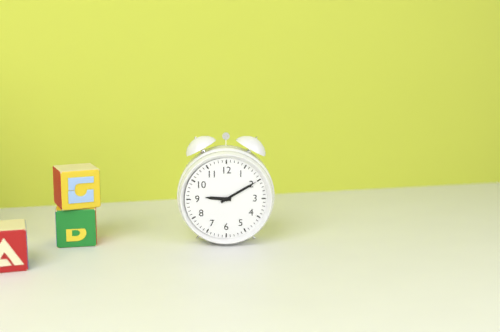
{"hour": 9, "minute": 10}
